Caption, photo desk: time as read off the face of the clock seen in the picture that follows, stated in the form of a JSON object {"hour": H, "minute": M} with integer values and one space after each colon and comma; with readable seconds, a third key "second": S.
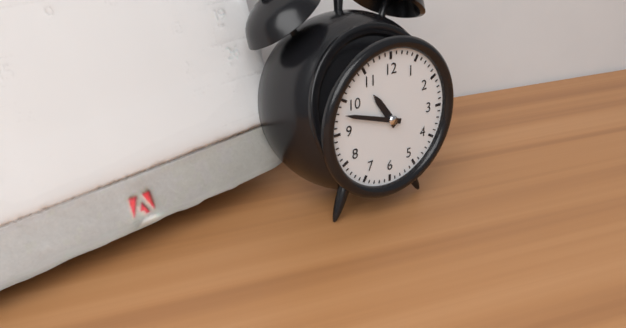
{"hour": 10, "minute": 48}
